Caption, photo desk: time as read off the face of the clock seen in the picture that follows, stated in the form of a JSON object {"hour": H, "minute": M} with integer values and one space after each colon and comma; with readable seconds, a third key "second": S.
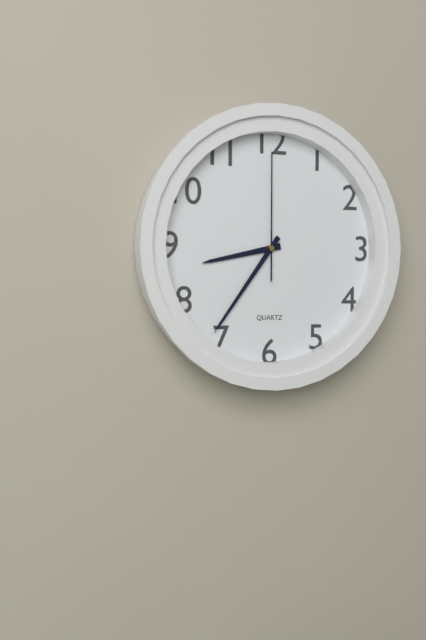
{"hour": 8, "minute": 36, "second": 0}
